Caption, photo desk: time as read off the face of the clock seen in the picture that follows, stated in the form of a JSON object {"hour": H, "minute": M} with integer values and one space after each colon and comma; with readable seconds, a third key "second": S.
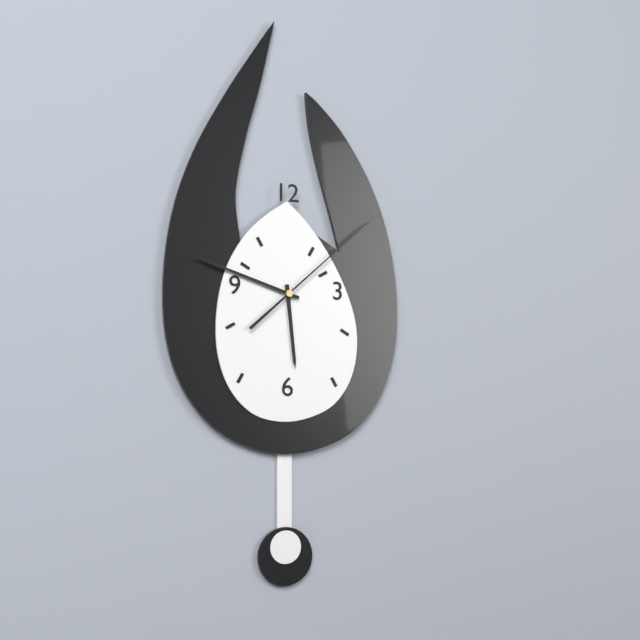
{"hour": 5, "minute": 48, "second": 8}
